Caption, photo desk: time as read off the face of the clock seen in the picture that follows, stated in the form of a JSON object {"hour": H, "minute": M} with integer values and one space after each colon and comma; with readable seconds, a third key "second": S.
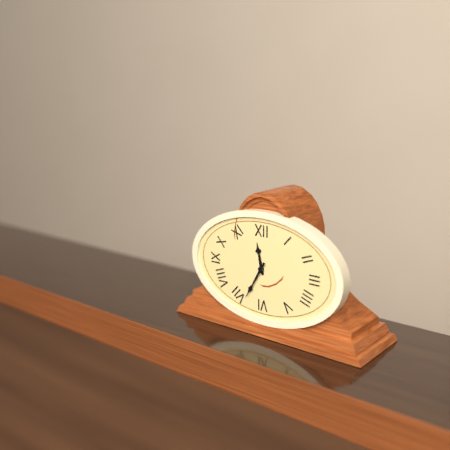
{"hour": 11, "minute": 35}
